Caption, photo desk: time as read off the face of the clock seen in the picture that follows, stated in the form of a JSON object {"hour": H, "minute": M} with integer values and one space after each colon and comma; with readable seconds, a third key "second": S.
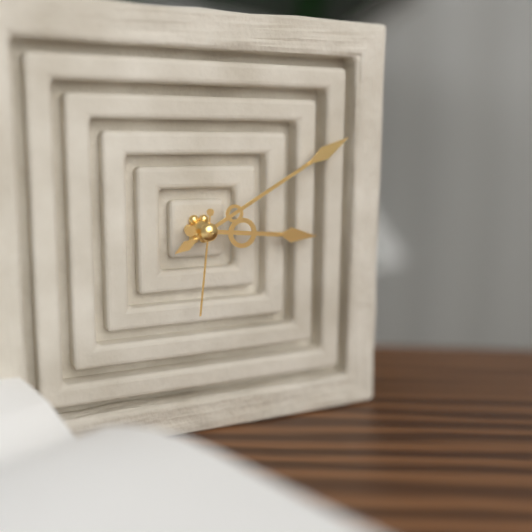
{"hour": 3, "minute": 10, "second": 31}
